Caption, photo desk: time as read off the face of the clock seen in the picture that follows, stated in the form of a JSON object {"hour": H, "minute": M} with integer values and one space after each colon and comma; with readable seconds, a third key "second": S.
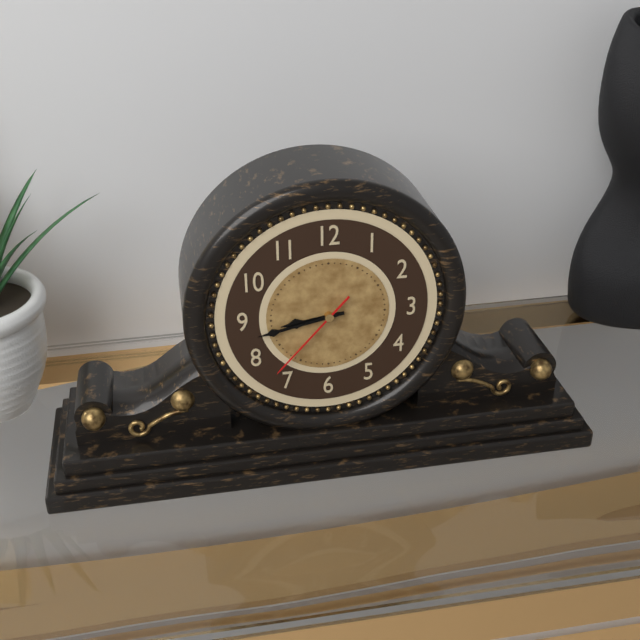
{"hour": 8, "minute": 43, "second": 37}
